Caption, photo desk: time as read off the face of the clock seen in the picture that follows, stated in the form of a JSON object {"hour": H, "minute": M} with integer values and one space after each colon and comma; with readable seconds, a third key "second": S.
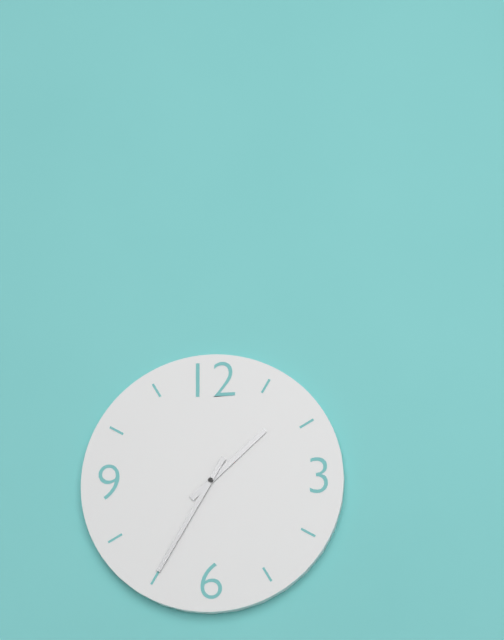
{"hour": 1, "minute": 35}
